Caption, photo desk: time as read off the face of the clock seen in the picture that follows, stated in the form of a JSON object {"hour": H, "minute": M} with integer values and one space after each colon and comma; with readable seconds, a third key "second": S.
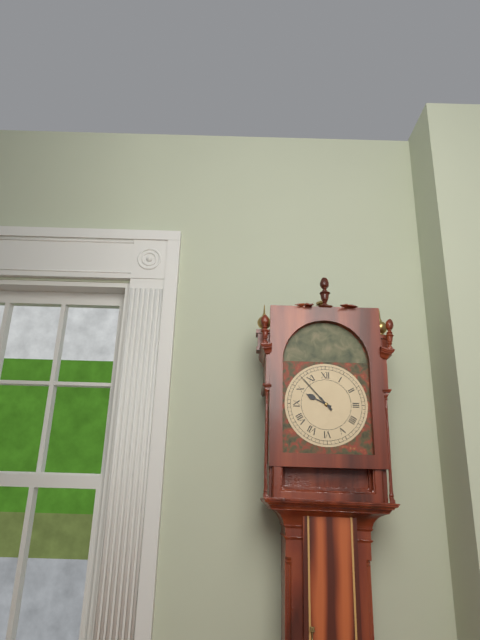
{"hour": 9, "minute": 53}
